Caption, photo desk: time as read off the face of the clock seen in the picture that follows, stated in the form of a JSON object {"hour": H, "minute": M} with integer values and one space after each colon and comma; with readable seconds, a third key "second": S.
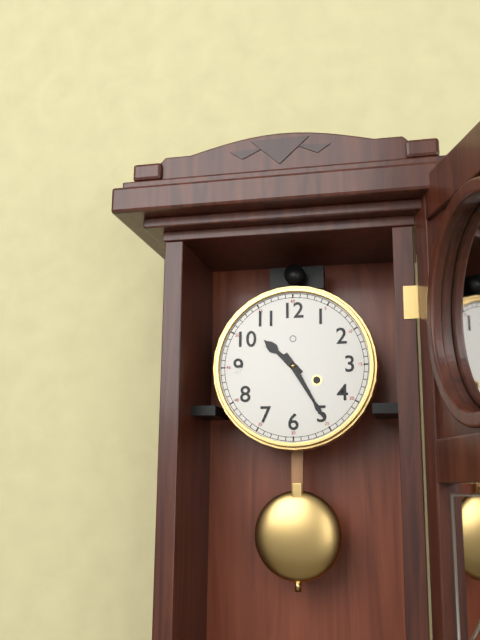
{"hour": 10, "minute": 25}
